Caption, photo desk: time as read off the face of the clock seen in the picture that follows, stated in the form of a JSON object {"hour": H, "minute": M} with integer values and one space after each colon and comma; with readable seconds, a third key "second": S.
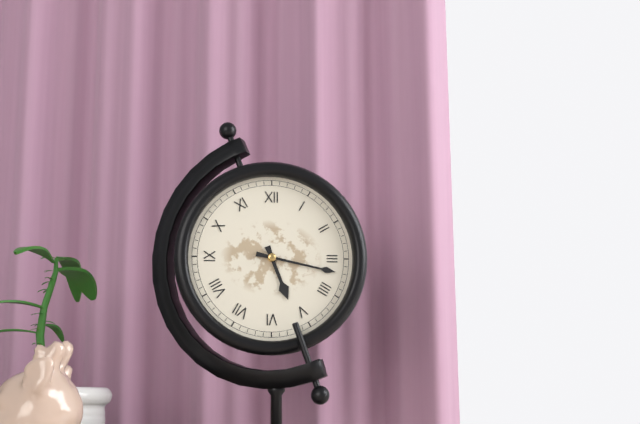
{"hour": 5, "minute": 17}
